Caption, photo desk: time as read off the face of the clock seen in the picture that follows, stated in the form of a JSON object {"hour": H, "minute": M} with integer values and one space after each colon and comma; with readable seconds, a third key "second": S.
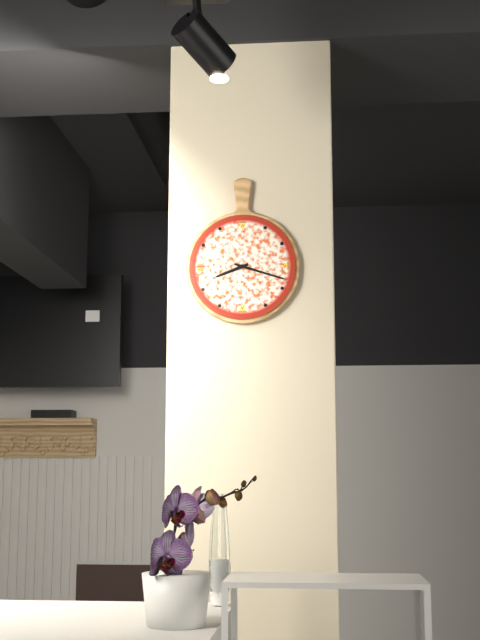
{"hour": 8, "minute": 18}
